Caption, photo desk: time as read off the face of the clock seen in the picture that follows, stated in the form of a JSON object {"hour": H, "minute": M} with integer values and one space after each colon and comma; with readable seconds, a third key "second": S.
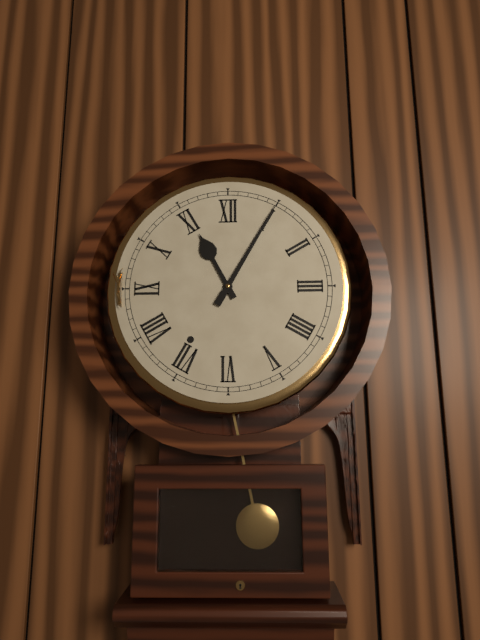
{"hour": 11, "minute": 5}
